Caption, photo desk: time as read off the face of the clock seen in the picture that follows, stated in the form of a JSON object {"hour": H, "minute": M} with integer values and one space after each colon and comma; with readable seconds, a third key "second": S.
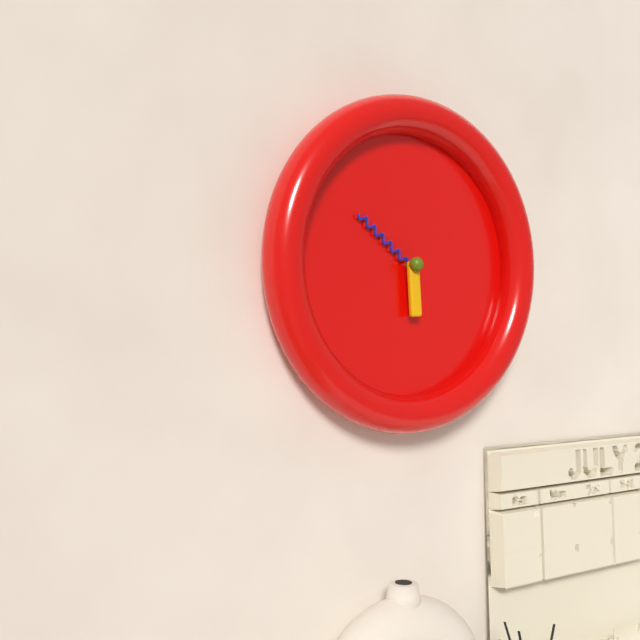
{"hour": 5, "minute": 51}
